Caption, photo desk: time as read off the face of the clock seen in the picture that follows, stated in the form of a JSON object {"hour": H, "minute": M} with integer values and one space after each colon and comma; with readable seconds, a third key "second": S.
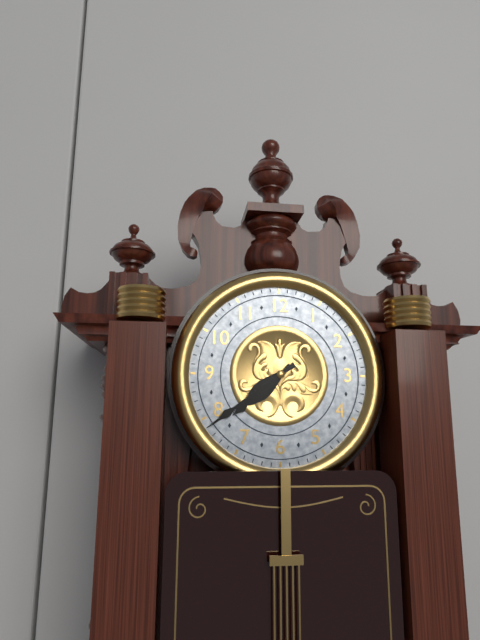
{"hour": 7, "minute": 39}
